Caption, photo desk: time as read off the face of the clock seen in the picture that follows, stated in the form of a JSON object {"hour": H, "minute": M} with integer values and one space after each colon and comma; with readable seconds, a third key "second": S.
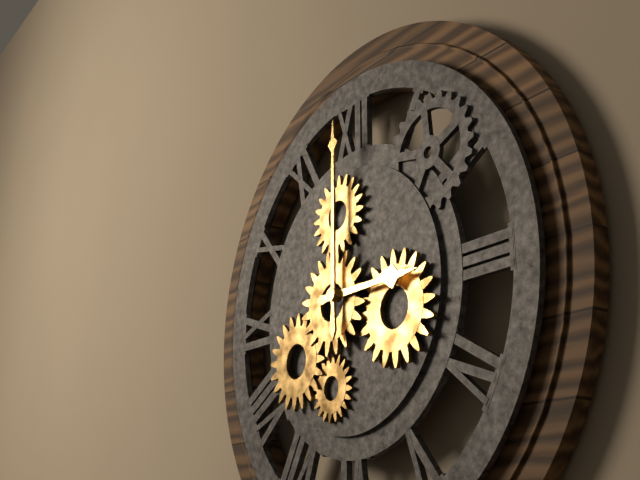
{"hour": 3, "minute": 0}
